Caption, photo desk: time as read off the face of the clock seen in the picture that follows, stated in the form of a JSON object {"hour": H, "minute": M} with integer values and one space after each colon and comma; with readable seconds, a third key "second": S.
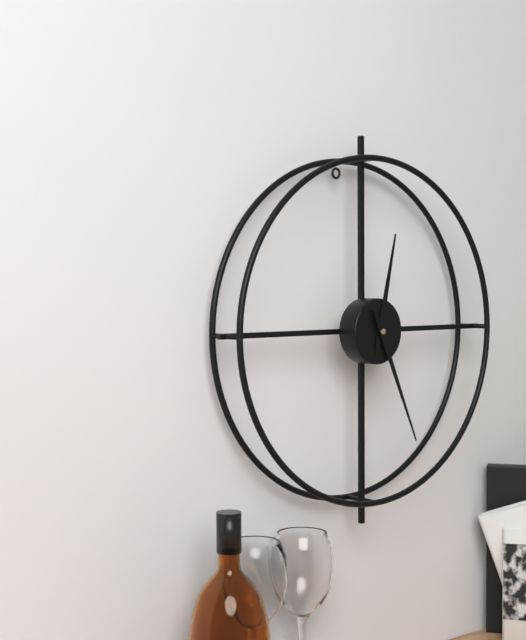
{"hour": 12, "minute": 26}
